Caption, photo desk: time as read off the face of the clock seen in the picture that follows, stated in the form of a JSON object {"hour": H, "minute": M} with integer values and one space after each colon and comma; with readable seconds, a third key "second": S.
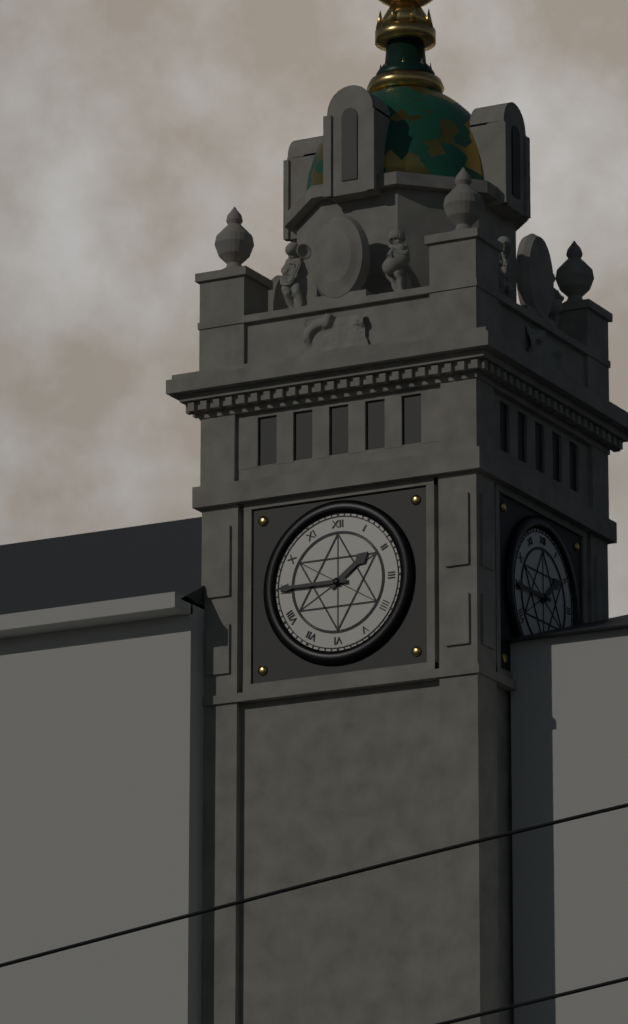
{"hour": 1, "minute": 45}
